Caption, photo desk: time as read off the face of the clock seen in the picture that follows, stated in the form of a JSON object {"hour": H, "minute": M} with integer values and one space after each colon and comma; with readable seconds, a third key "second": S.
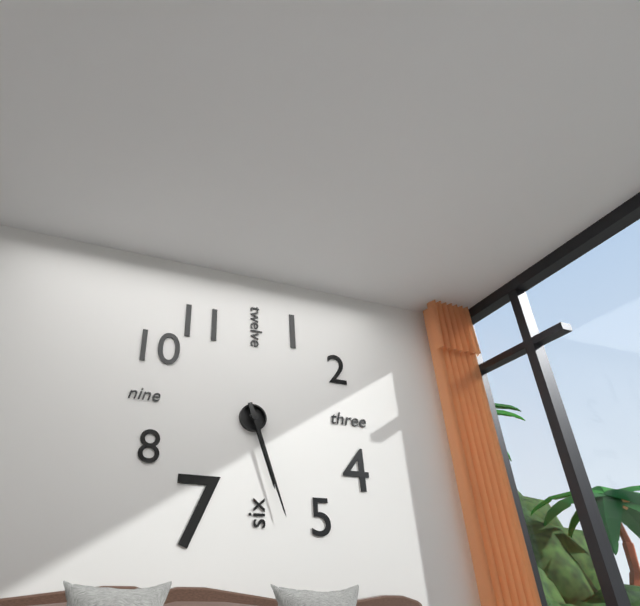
{"hour": 5, "minute": 27}
